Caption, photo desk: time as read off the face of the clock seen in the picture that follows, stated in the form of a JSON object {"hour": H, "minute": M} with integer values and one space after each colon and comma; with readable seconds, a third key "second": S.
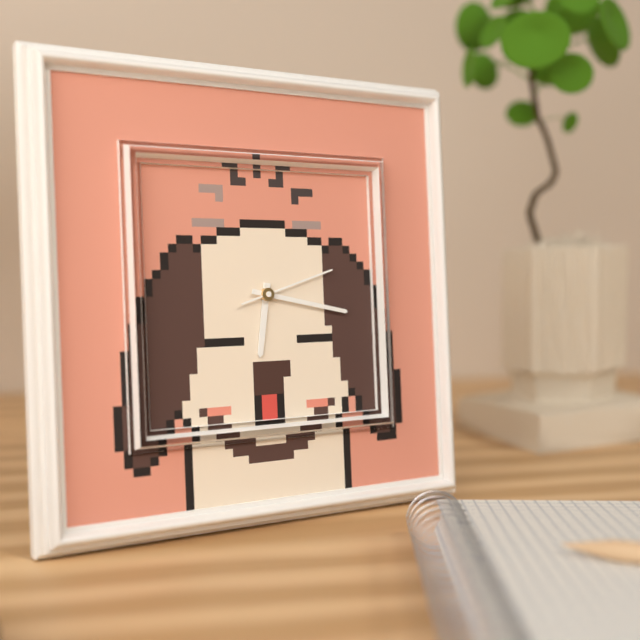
{"hour": 6, "minute": 17, "second": 12}
